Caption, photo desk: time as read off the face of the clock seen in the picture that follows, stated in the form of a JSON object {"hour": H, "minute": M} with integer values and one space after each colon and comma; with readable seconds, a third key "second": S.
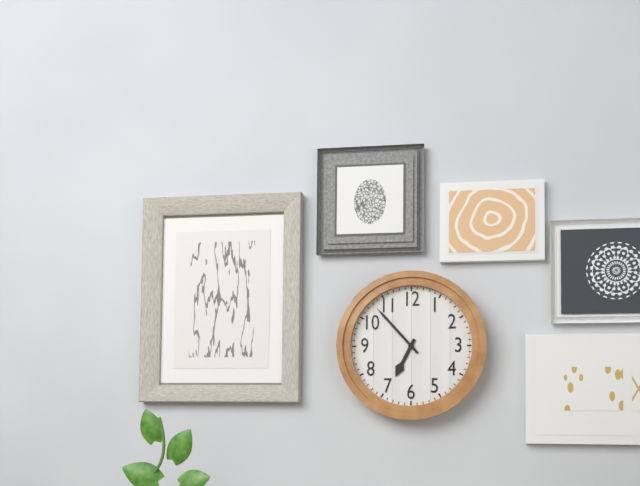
{"hour": 6, "minute": 53}
